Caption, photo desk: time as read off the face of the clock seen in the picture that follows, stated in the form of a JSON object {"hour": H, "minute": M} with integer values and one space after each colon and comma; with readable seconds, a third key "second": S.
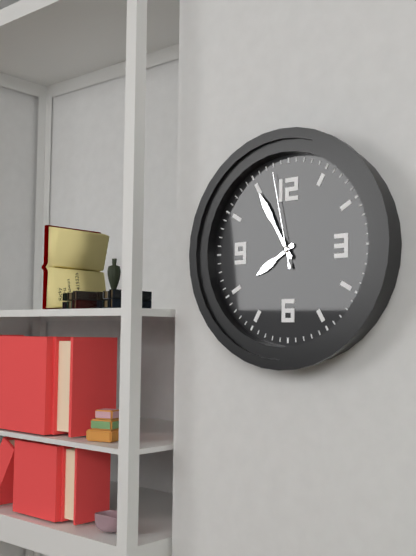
{"hour": 7, "minute": 55, "second": 58}
